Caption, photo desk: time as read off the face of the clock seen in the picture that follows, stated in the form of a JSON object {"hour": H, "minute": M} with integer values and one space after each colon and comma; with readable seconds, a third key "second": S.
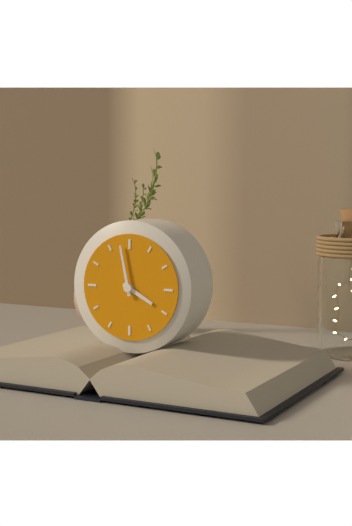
{"hour": 3, "minute": 58}
